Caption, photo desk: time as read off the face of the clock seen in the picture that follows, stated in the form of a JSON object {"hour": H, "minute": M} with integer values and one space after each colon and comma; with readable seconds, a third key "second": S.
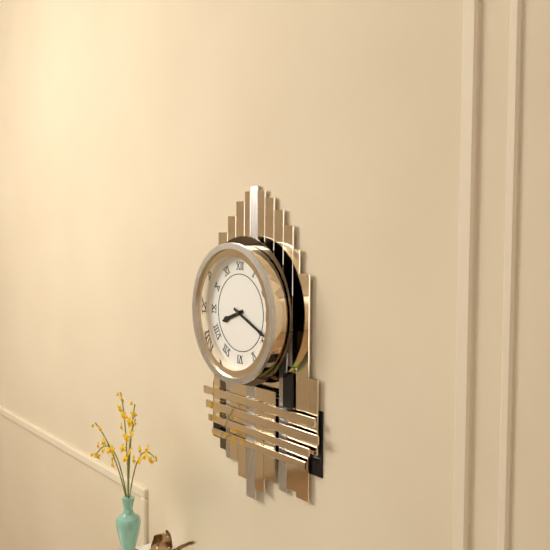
{"hour": 8, "minute": 19}
